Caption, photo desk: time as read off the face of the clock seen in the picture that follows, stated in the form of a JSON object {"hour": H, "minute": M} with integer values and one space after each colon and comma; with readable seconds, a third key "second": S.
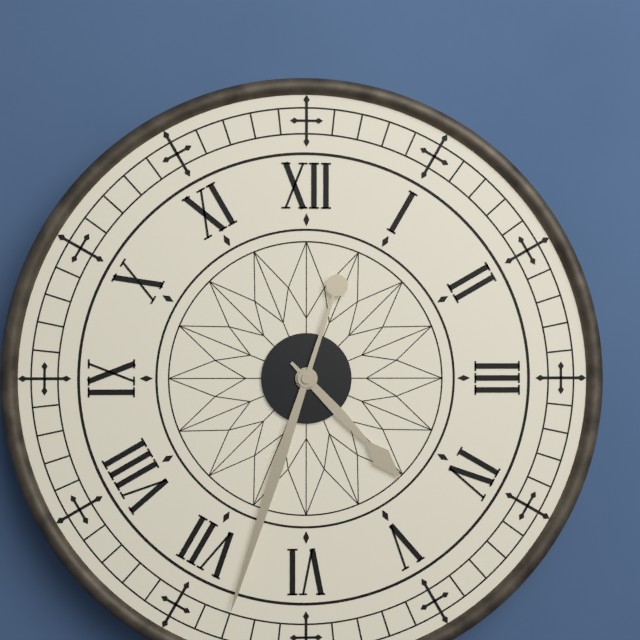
{"hour": 4, "minute": 33}
